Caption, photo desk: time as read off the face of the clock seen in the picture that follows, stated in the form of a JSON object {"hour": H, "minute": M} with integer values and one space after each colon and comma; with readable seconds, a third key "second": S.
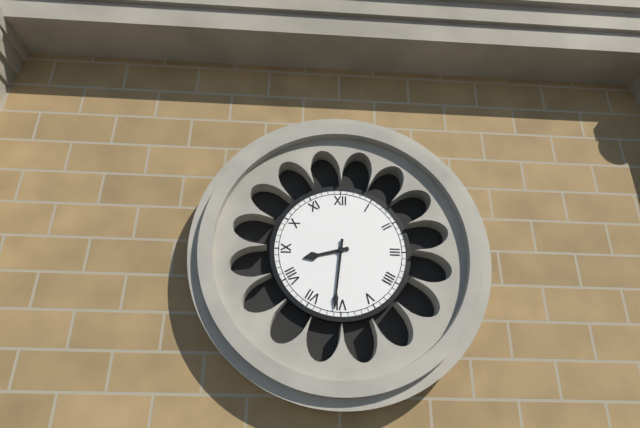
{"hour": 8, "minute": 31}
